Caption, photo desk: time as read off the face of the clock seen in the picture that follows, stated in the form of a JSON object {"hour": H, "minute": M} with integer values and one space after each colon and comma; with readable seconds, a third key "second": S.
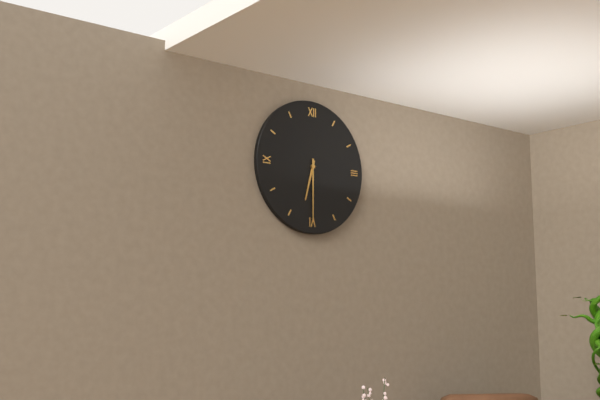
{"hour": 6, "minute": 30}
